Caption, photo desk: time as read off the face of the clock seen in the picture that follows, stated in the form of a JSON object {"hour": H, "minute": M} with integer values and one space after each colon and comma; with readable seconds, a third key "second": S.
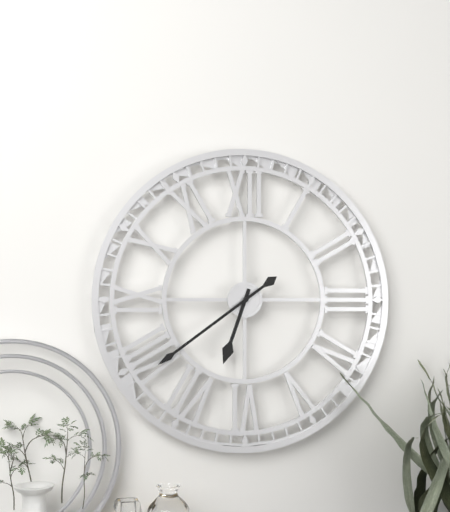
{"hour": 6, "minute": 39}
